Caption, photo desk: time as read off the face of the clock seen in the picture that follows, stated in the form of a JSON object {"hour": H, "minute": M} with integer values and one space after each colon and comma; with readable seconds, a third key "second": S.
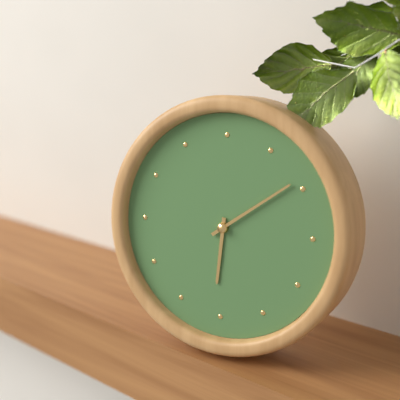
{"hour": 6, "minute": 9}
